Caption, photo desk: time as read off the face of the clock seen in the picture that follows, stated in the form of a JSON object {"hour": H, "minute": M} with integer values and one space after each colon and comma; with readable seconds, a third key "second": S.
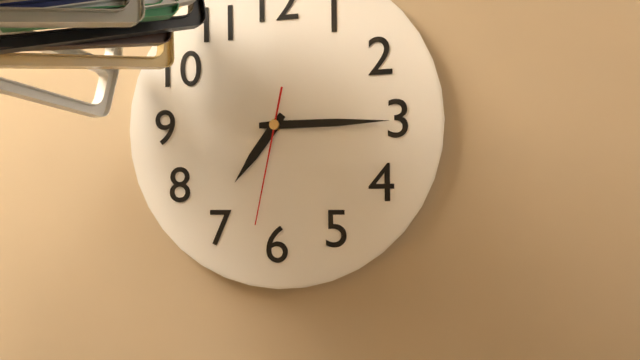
{"hour": 7, "minute": 15, "second": 32}
